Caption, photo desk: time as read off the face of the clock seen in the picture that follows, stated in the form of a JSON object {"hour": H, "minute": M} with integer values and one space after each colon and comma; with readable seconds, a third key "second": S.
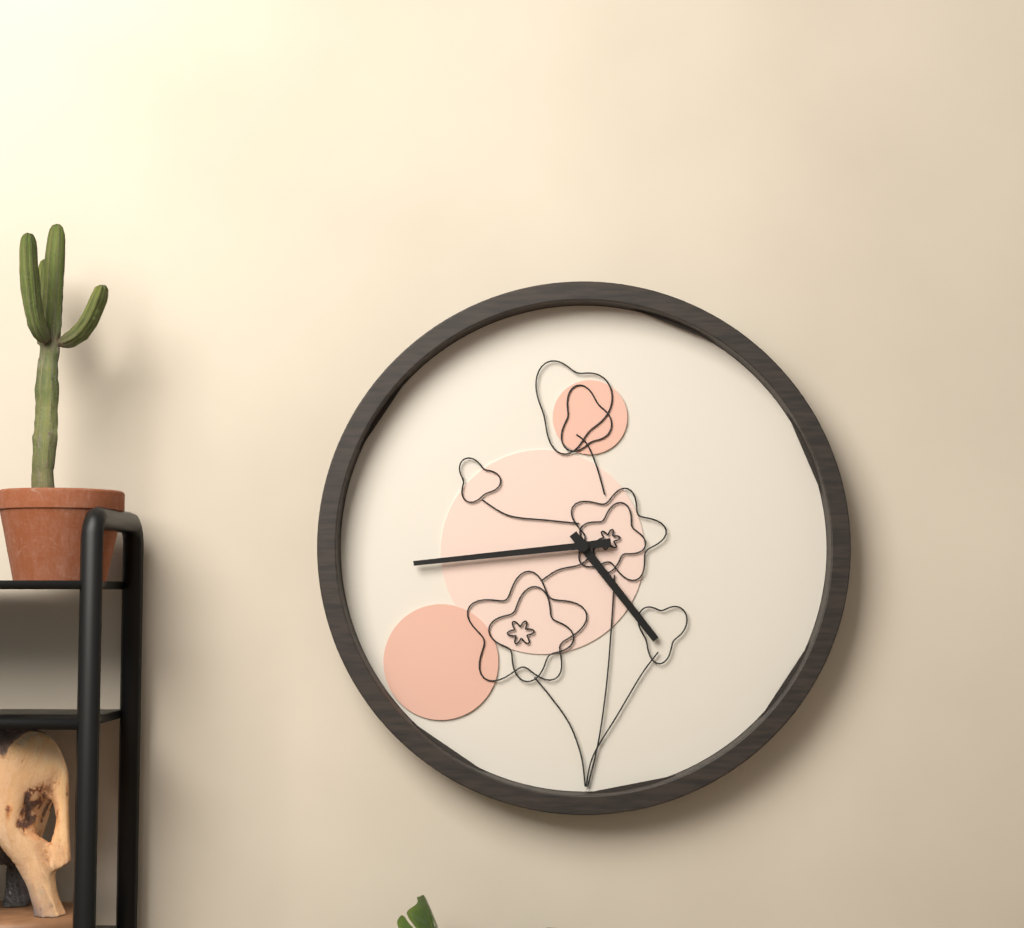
{"hour": 4, "minute": 44}
